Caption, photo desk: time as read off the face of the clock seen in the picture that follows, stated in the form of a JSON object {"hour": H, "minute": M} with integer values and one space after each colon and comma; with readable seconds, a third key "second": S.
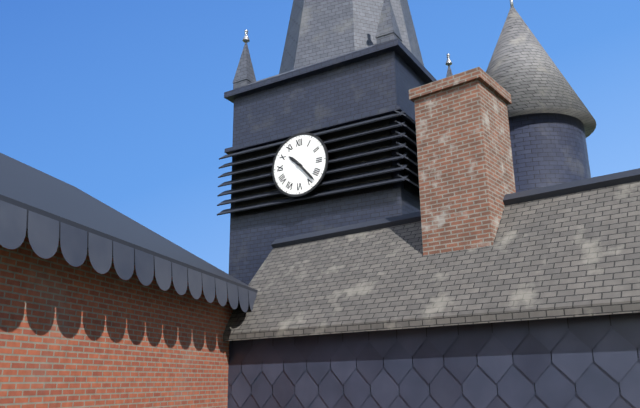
{"hour": 10, "minute": 23}
